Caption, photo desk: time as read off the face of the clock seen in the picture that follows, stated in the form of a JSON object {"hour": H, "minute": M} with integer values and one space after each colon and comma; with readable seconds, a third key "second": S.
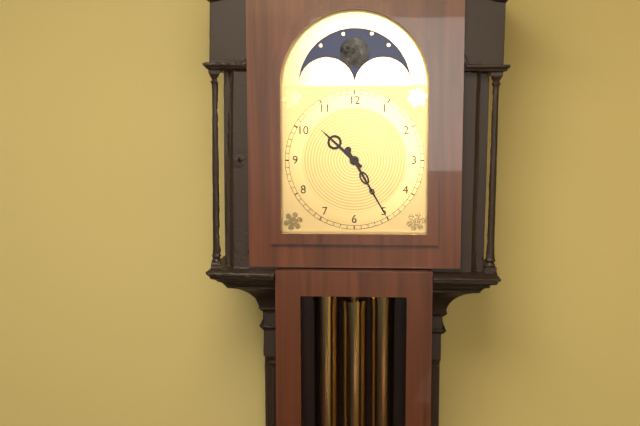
{"hour": 10, "minute": 25}
